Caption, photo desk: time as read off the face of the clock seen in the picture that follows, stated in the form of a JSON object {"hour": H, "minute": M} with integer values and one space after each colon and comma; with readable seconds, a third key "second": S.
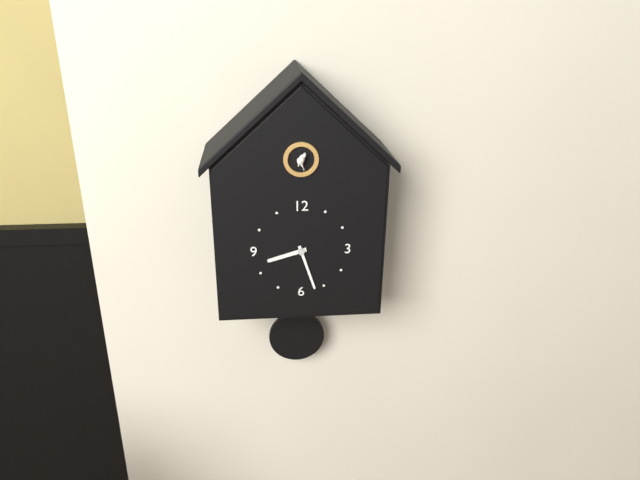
{"hour": 8, "minute": 27}
